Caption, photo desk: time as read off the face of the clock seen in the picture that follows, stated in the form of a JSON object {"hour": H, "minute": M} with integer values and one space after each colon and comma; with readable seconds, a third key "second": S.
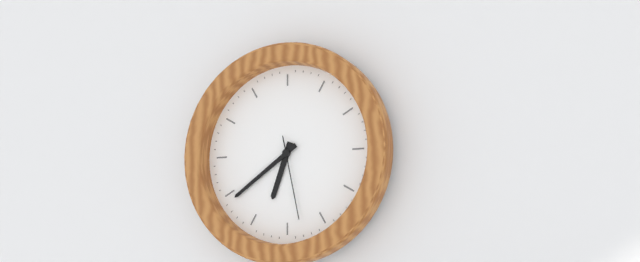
{"hour": 6, "minute": 39, "second": 28}
